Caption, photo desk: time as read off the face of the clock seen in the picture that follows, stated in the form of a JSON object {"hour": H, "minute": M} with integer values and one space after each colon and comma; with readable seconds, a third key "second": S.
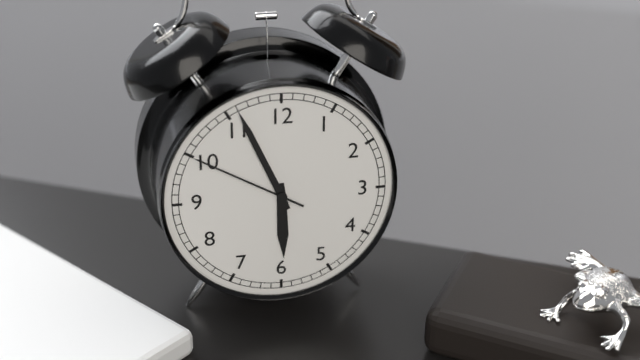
{"hour": 5, "minute": 56, "second": 50}
